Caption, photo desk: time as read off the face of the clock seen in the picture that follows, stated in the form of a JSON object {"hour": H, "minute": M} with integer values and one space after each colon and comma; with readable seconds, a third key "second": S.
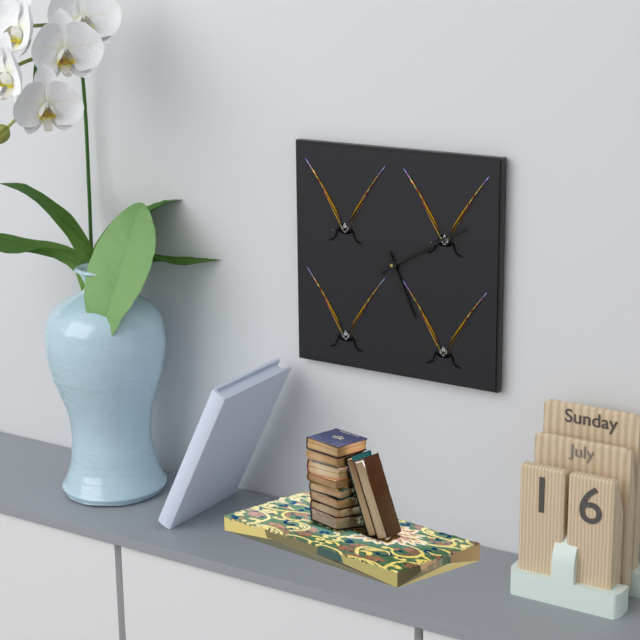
{"hour": 5, "minute": 10}
